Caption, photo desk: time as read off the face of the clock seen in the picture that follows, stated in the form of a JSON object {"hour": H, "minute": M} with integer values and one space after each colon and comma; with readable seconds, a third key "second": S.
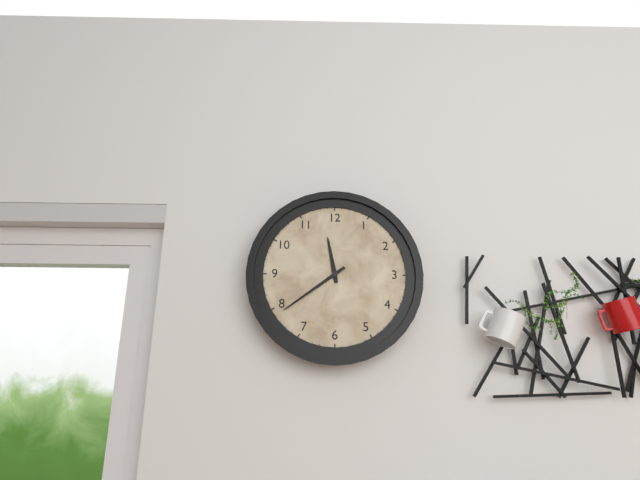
{"hour": 11, "minute": 39}
